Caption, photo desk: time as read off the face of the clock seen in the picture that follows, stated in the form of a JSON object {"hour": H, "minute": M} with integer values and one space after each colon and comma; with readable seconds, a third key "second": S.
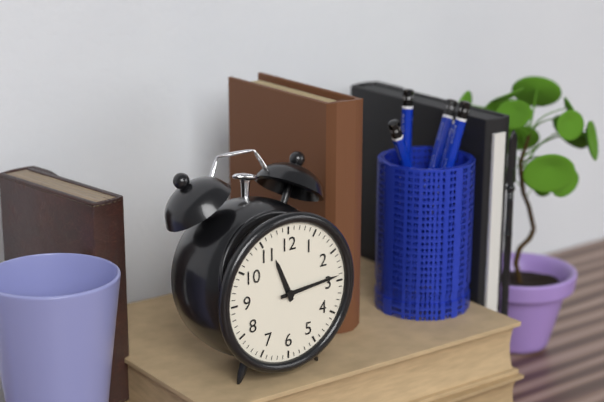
{"hour": 11, "minute": 14}
